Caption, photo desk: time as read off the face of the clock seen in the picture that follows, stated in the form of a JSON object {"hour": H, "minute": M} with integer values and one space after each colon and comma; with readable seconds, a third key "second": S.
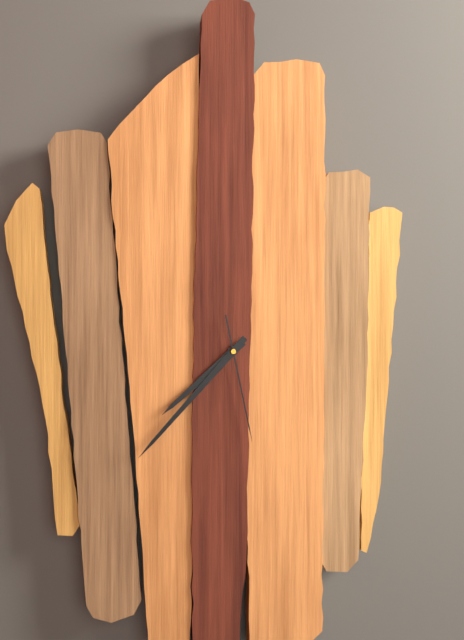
{"hour": 7, "minute": 37, "second": 28}
